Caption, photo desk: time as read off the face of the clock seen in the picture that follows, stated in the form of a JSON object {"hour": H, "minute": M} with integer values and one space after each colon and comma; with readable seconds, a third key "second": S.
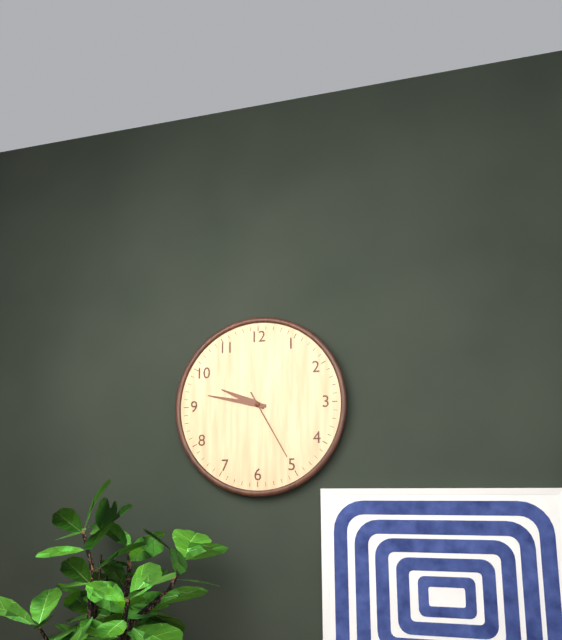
{"hour": 9, "minute": 47, "second": 25}
